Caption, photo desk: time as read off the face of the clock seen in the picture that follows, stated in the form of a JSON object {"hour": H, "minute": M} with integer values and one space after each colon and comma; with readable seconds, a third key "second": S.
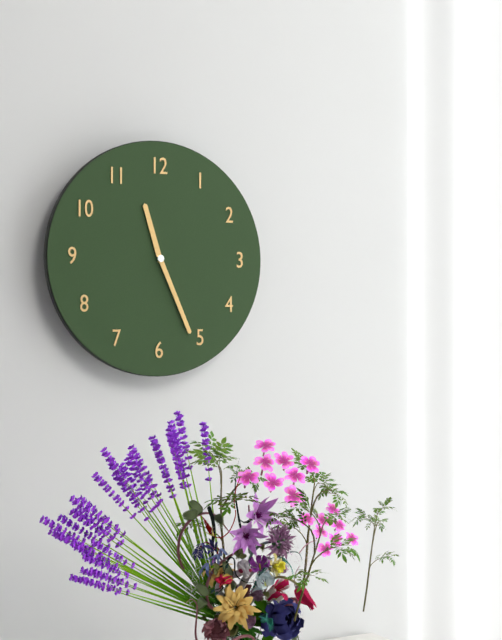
{"hour": 11, "minute": 26}
